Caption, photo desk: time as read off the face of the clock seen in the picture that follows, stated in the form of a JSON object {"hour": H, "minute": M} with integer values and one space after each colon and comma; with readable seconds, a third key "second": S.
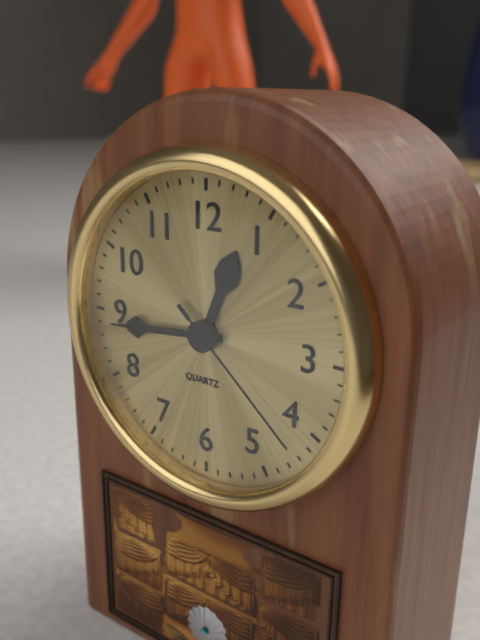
{"hour": 12, "minute": 44, "second": 22}
